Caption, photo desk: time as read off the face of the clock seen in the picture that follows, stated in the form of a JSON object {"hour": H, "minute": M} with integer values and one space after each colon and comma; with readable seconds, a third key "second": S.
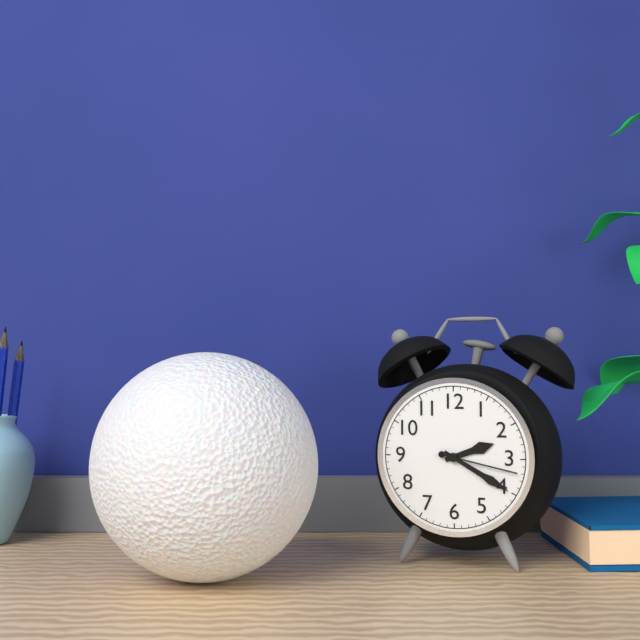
{"hour": 2, "minute": 20, "second": 17}
